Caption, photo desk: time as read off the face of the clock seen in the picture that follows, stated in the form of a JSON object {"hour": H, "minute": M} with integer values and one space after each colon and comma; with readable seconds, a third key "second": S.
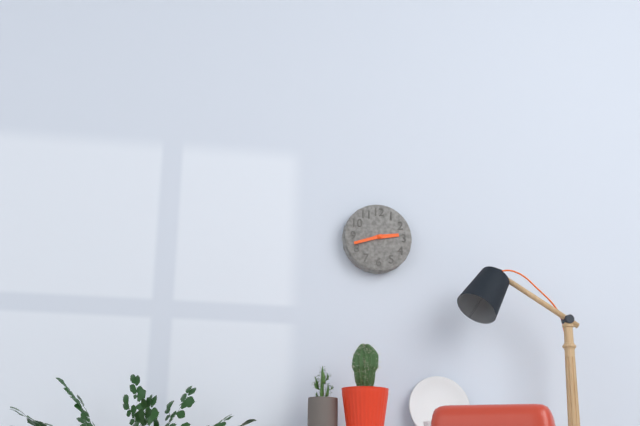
{"hour": 2, "minute": 42}
